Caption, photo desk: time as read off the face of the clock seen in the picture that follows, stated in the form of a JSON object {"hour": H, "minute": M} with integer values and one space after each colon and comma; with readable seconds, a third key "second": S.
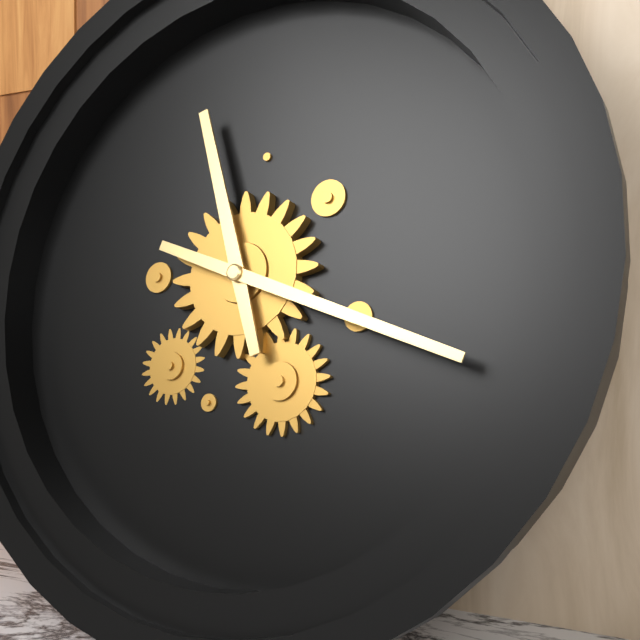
{"hour": 11, "minute": 18}
